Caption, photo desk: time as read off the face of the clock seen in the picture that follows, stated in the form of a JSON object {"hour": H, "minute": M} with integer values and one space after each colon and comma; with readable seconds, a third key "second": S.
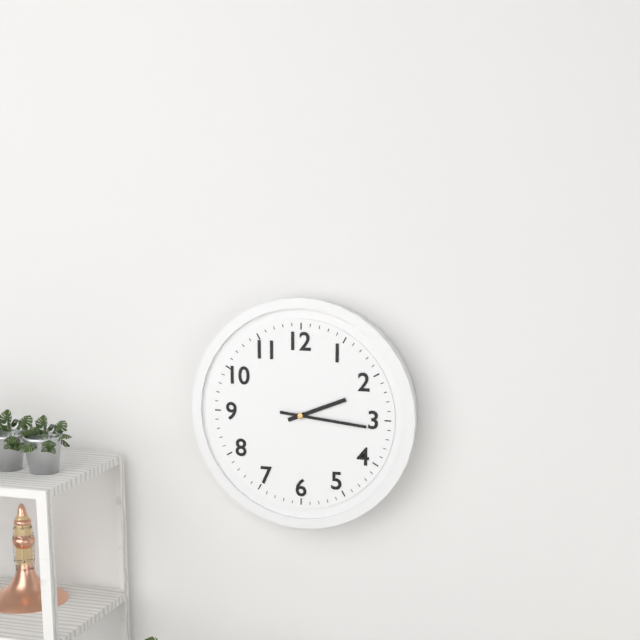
{"hour": 2, "minute": 16}
